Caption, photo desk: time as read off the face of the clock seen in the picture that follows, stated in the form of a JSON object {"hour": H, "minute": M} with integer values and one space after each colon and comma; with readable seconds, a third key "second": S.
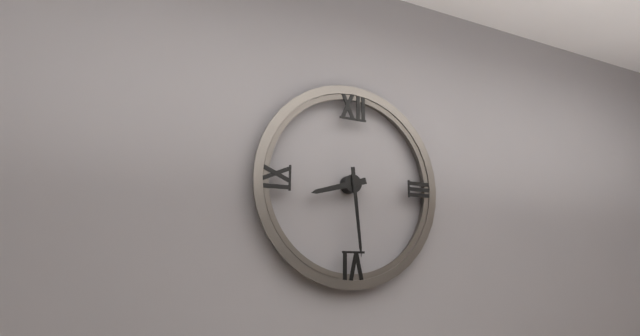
{"hour": 8, "minute": 29}
